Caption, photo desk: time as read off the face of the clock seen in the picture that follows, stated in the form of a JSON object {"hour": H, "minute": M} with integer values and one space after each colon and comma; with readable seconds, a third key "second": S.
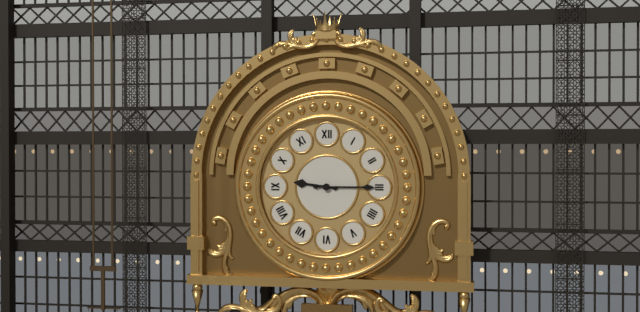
{"hour": 9, "minute": 15}
